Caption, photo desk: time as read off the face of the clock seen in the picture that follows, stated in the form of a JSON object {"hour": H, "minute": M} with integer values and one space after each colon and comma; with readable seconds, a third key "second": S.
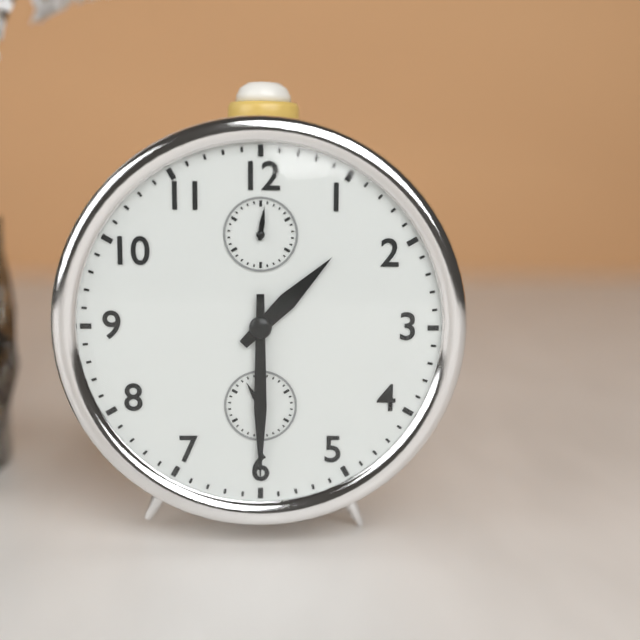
{"hour": 1, "minute": 30}
